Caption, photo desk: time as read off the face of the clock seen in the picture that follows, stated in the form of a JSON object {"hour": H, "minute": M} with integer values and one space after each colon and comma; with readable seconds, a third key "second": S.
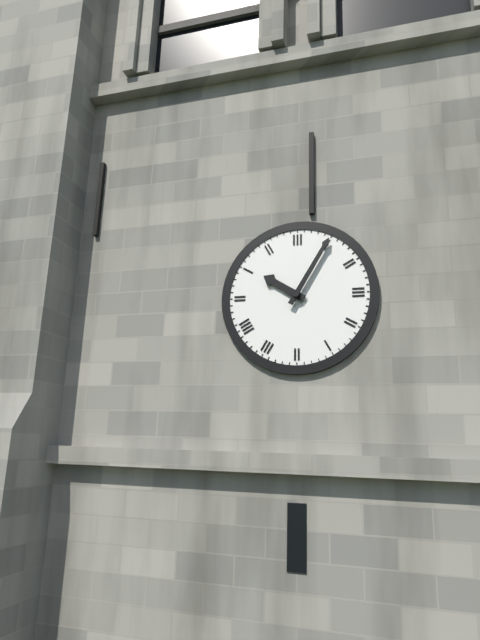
{"hour": 10, "minute": 5}
